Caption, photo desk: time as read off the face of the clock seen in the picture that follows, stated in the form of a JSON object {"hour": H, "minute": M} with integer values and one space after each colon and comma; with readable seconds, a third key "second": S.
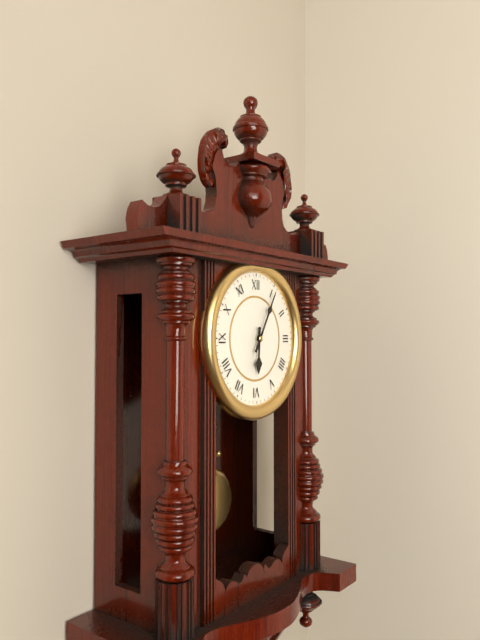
{"hour": 6, "minute": 5}
